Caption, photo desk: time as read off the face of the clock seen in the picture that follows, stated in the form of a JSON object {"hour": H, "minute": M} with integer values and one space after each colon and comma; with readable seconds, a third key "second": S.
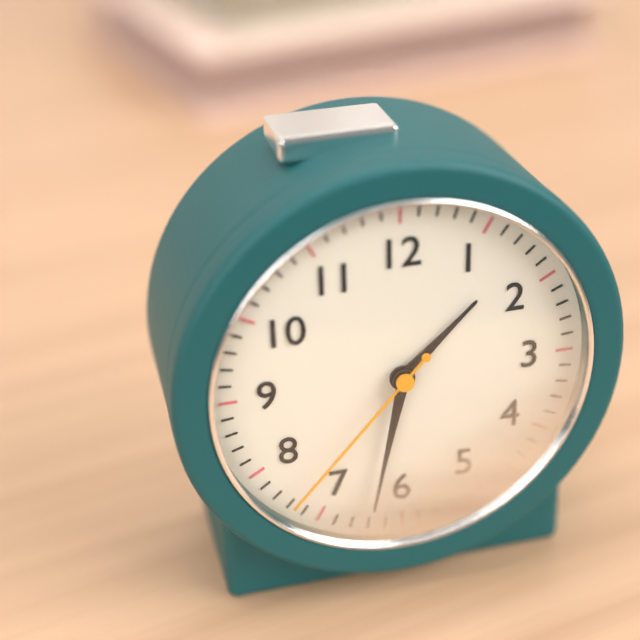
{"hour": 1, "minute": 32, "second": 37}
